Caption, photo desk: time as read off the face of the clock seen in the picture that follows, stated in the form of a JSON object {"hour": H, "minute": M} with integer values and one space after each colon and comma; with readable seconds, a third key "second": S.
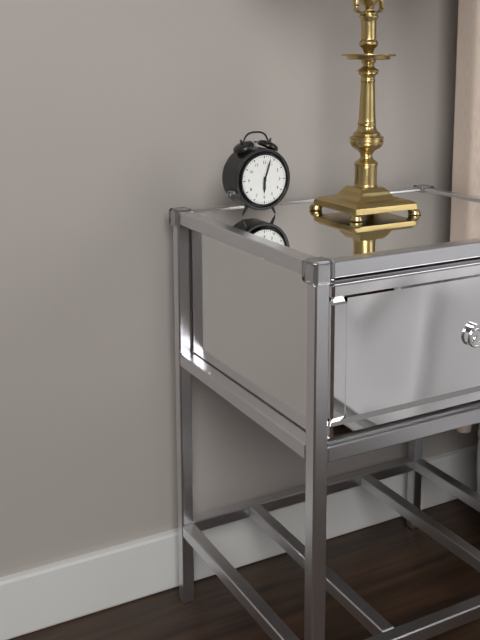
{"hour": 6, "minute": 3}
